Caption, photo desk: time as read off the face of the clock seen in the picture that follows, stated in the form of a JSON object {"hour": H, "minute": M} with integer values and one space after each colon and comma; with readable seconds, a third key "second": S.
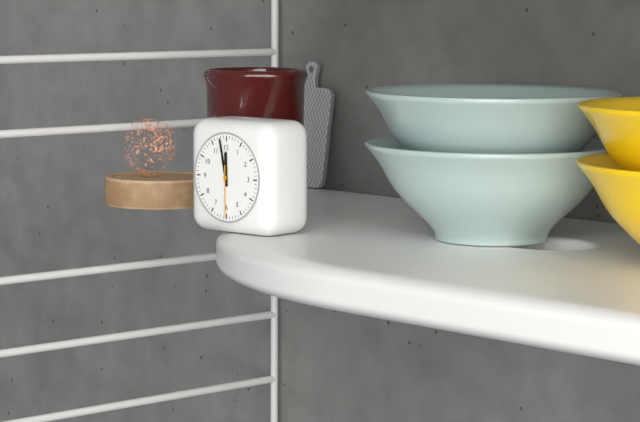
{"hour": 11, "minute": 58, "second": 30}
